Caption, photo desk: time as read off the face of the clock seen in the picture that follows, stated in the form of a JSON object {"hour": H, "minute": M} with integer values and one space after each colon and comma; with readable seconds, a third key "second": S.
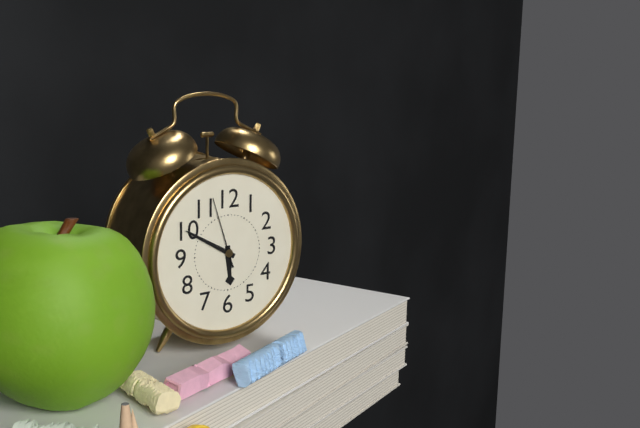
{"hour": 5, "minute": 50, "second": 57}
